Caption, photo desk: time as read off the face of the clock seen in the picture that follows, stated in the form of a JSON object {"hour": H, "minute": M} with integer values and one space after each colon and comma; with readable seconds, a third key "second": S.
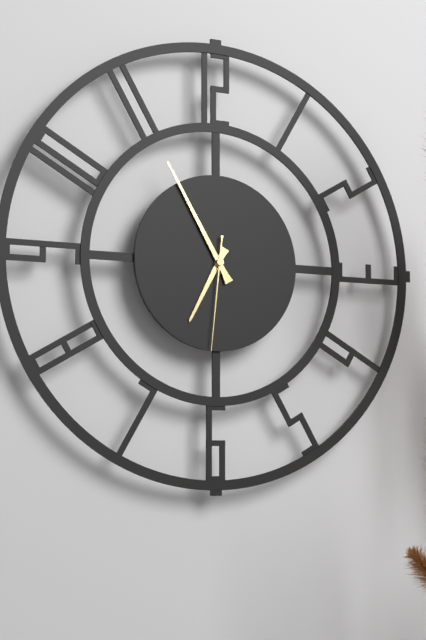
{"hour": 6, "minute": 55, "second": 31}
